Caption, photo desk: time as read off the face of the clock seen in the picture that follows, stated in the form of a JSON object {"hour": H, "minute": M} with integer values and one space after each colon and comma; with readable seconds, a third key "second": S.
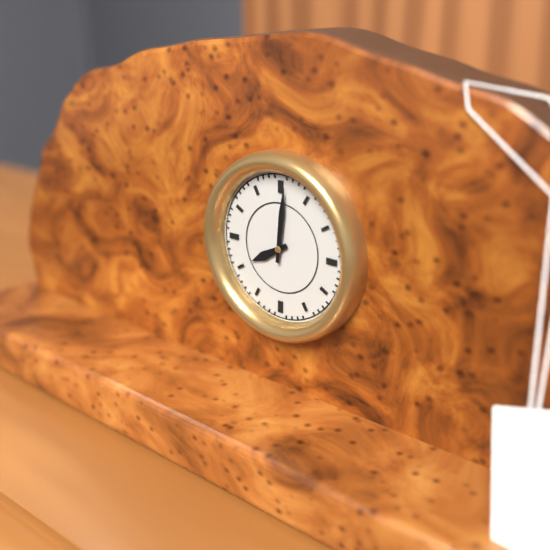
{"hour": 8, "minute": 1}
